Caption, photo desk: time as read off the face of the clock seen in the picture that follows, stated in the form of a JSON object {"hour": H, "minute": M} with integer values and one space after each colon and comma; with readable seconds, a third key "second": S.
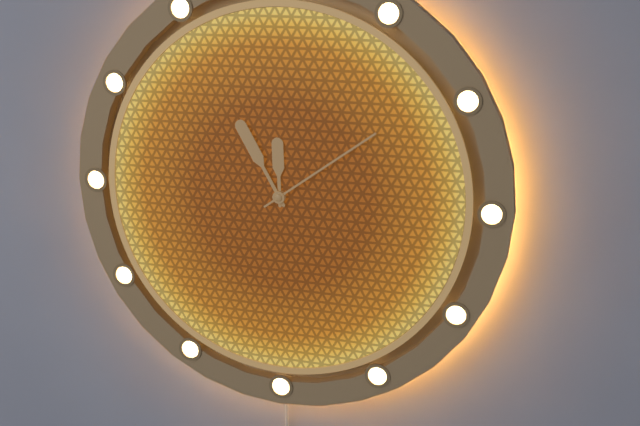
{"hour": 11, "minute": 55, "second": 9}
